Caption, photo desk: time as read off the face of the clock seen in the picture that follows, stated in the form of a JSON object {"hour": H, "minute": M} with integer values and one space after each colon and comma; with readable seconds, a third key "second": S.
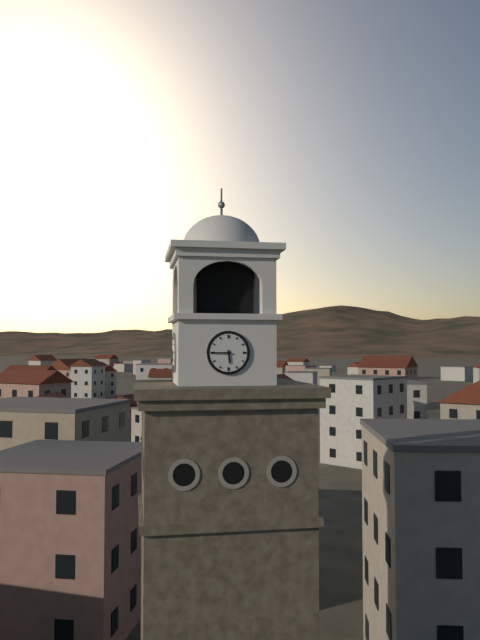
{"hour": 5, "minute": 45}
